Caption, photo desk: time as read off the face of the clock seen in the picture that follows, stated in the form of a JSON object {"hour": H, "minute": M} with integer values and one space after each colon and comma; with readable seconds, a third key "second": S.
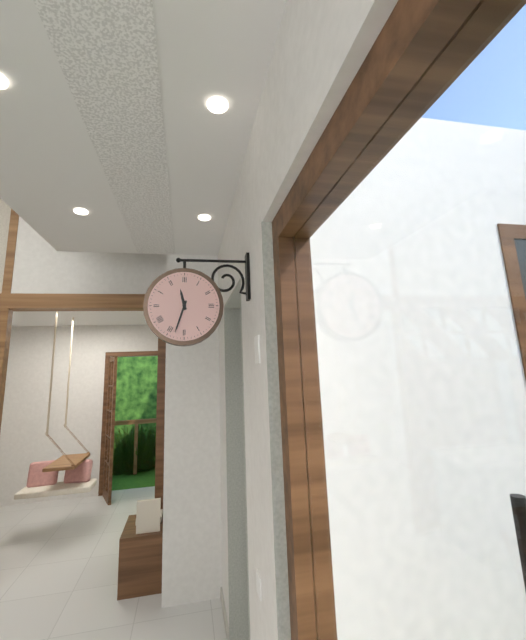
{"hour": 11, "minute": 33}
